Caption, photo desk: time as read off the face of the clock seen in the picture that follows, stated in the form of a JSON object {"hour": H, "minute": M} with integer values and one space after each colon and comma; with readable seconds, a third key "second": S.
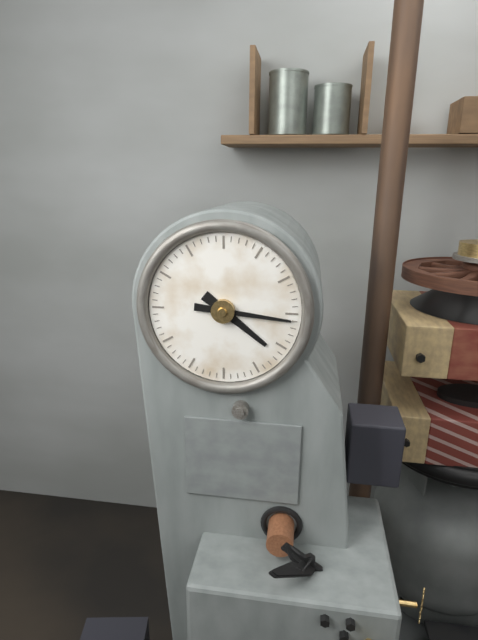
{"hour": 4, "minute": 16}
